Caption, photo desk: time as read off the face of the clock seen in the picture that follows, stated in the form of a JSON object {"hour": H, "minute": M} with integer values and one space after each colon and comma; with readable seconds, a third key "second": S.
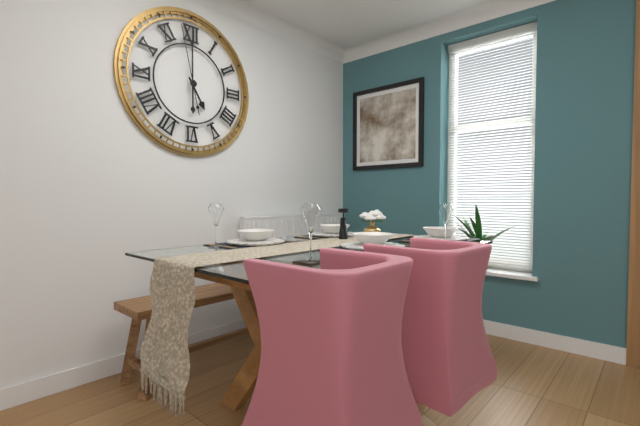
{"hour": 5, "minute": 0, "second": 58}
